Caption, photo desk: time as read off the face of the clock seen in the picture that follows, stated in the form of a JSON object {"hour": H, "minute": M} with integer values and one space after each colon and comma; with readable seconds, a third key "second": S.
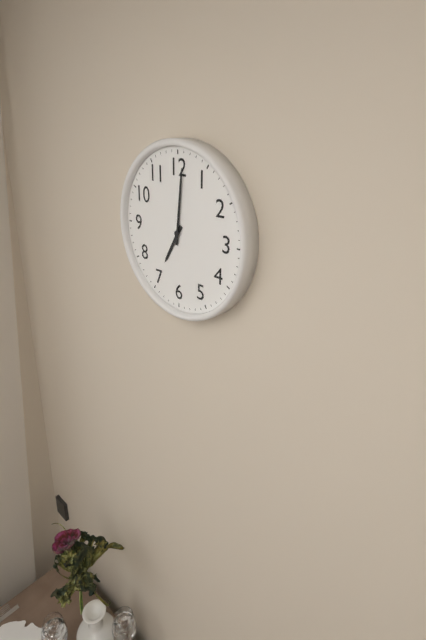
{"hour": 7, "minute": 1}
